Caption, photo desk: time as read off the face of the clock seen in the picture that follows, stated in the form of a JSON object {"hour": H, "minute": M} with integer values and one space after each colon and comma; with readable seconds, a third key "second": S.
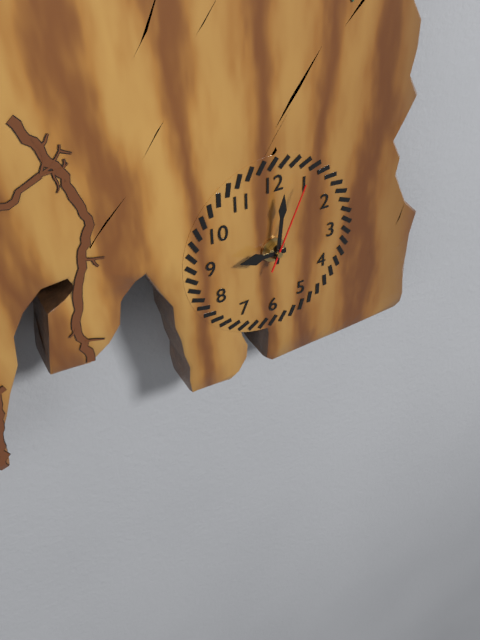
{"hour": 9, "minute": 1, "second": 4}
